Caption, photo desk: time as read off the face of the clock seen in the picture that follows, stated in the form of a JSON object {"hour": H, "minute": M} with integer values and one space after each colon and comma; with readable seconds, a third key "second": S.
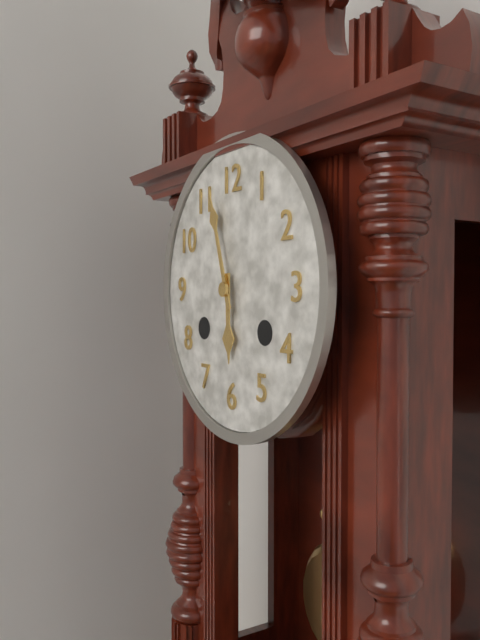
{"hour": 5, "minute": 57}
